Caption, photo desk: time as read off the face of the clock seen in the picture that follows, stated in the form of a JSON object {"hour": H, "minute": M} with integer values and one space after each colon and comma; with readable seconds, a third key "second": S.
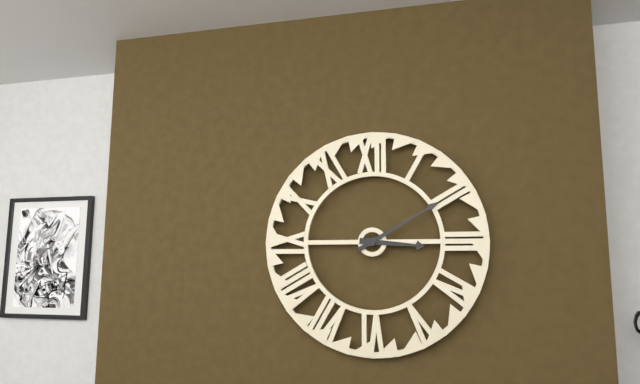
{"hour": 3, "minute": 10}
